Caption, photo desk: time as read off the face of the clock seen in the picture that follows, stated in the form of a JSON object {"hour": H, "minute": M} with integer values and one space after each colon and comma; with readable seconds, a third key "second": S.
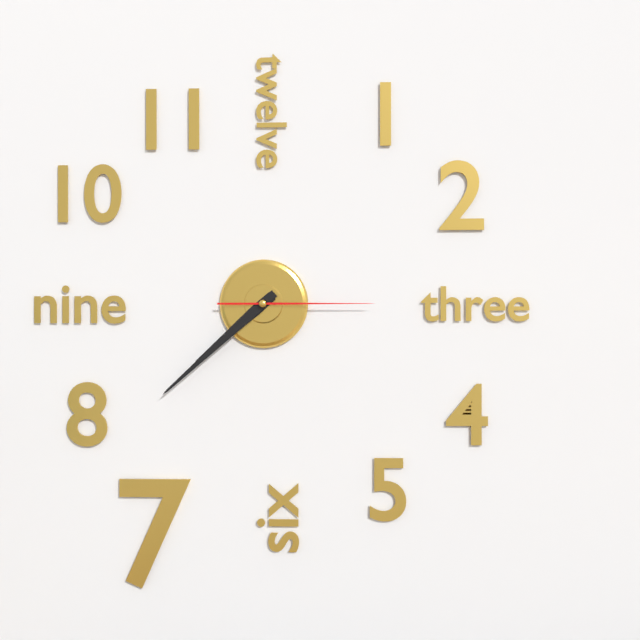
{"hour": 7, "minute": 38, "second": 15}
